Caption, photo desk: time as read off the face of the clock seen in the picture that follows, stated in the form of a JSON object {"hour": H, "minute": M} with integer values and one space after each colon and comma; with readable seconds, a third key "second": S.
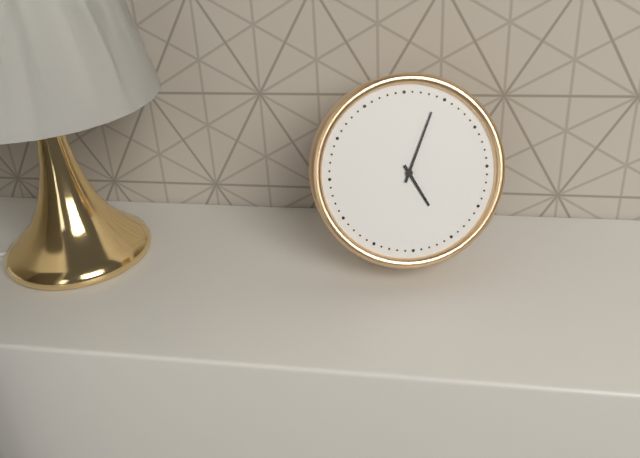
{"hour": 5, "minute": 4}
